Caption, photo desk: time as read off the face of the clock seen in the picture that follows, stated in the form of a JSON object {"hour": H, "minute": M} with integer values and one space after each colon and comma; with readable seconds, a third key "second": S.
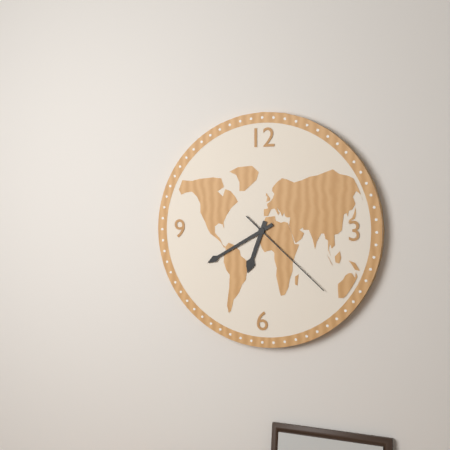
{"hour": 6, "minute": 40, "second": 22}
